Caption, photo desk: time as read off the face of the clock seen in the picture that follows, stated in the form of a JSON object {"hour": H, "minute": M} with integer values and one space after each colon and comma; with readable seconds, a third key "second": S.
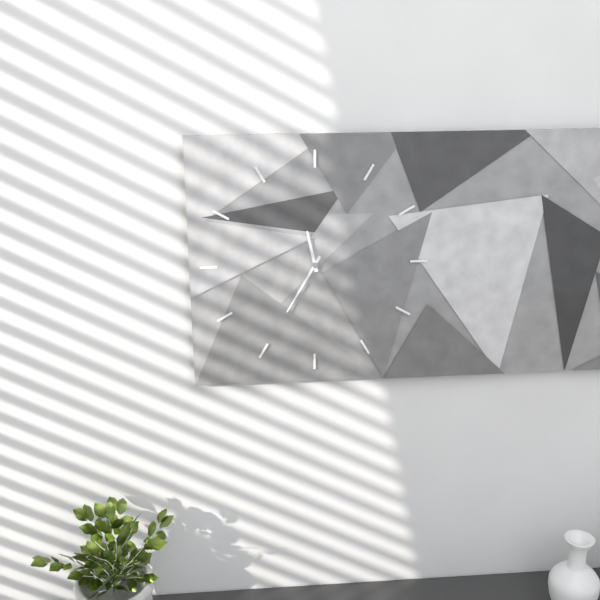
{"hour": 11, "minute": 35}
